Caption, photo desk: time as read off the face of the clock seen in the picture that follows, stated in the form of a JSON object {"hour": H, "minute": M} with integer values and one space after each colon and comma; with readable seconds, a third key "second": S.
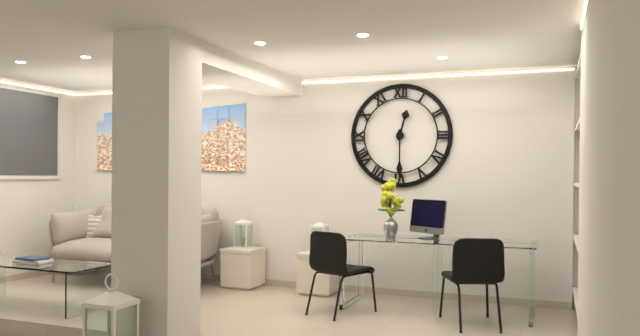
{"hour": 12, "minute": 30}
